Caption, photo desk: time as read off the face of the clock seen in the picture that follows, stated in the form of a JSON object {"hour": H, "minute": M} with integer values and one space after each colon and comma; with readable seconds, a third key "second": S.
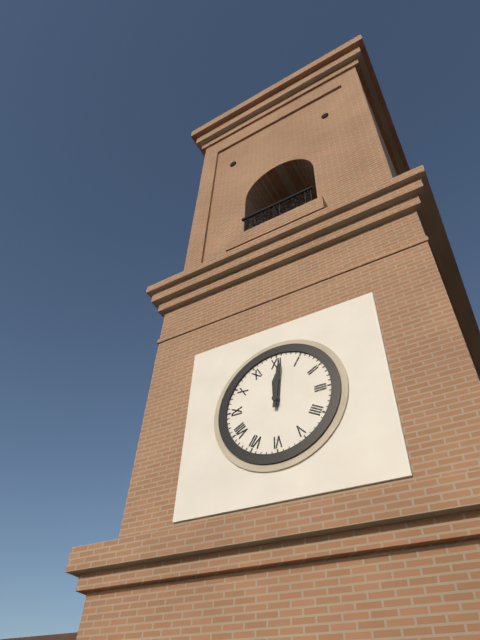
{"hour": 12, "minute": 1}
